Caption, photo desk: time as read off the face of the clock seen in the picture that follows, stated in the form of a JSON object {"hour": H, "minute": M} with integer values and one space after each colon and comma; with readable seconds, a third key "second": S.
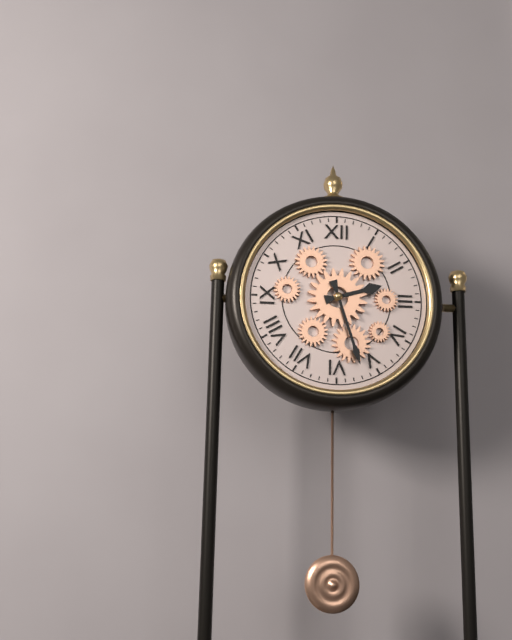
{"hour": 2, "minute": 27}
